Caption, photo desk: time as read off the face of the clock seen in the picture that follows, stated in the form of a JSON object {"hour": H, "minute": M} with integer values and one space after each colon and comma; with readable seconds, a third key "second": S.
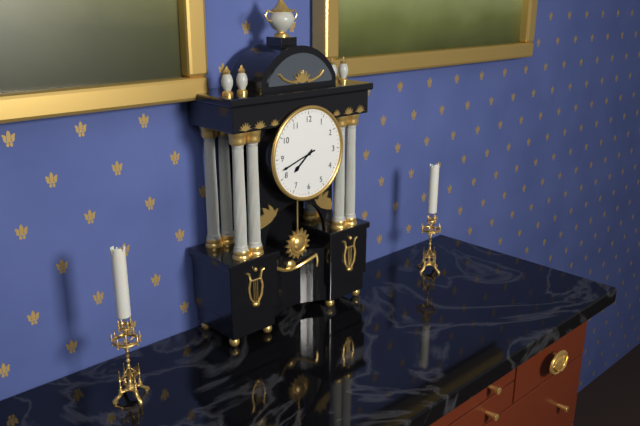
{"hour": 7, "minute": 42}
